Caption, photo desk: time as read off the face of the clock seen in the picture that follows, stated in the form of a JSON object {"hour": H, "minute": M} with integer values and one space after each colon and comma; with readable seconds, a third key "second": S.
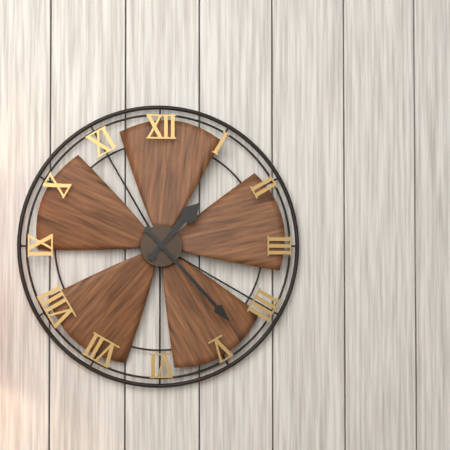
{"hour": 1, "minute": 23}
